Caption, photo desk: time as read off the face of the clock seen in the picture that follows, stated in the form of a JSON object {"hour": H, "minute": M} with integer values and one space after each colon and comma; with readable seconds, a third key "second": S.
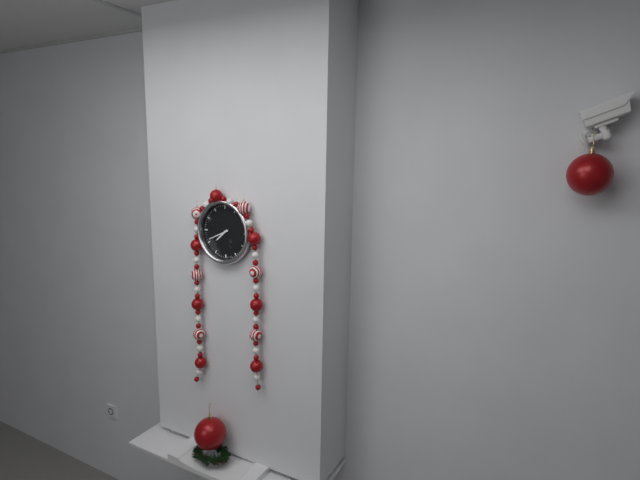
{"hour": 7, "minute": 41}
